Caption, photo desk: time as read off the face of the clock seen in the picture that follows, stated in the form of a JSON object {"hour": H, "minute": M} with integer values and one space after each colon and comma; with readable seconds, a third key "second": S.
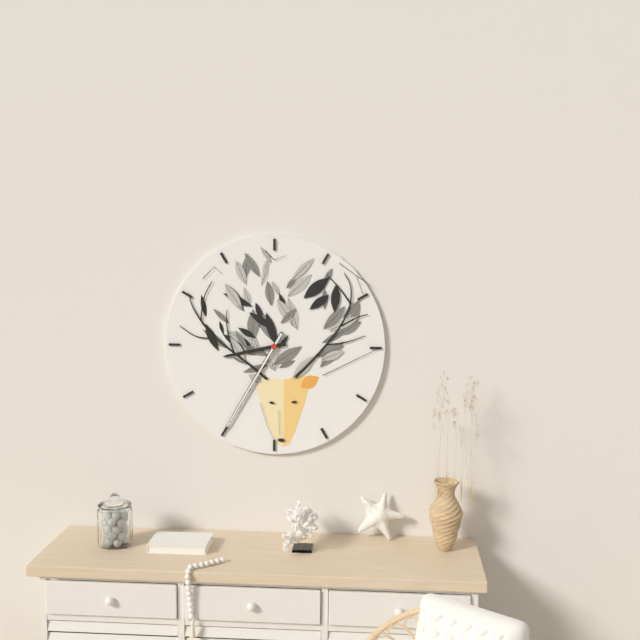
{"hour": 8, "minute": 35}
